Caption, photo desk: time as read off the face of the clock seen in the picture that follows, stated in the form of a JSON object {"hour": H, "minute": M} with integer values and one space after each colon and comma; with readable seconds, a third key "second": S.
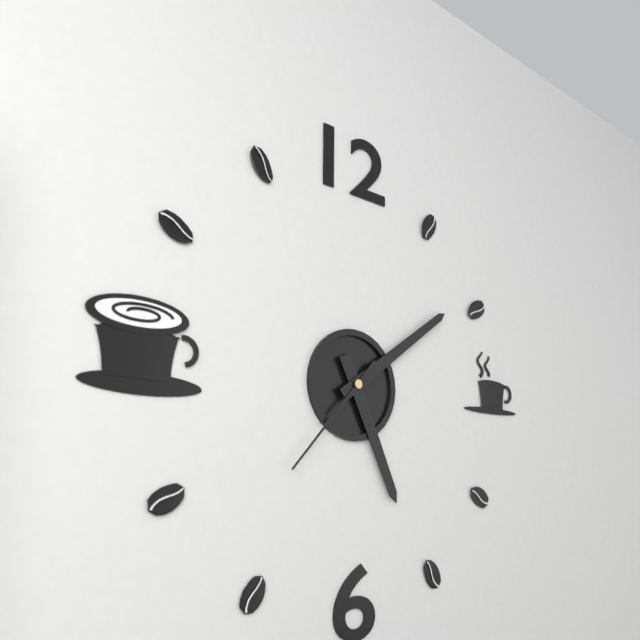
{"hour": 5, "minute": 9, "second": 37}
